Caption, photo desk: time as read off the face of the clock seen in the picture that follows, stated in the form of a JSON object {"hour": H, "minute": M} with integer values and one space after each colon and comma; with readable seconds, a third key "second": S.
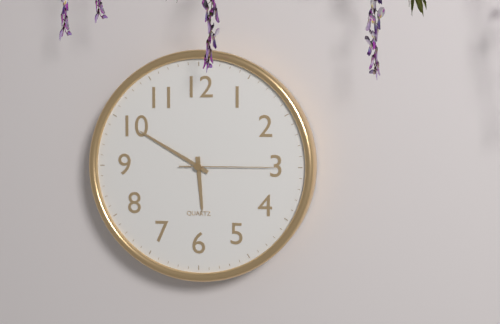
{"hour": 5, "minute": 50, "second": 15}
